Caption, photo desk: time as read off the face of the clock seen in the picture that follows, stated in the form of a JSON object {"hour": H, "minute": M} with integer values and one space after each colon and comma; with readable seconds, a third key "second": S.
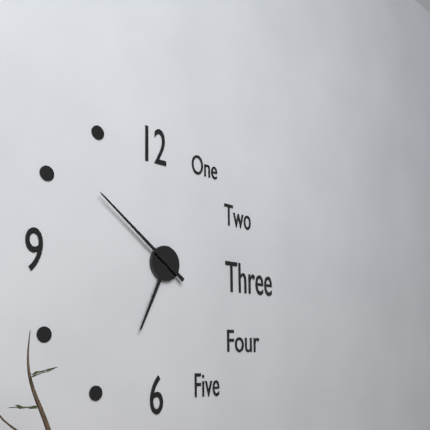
{"hour": 6, "minute": 51}
